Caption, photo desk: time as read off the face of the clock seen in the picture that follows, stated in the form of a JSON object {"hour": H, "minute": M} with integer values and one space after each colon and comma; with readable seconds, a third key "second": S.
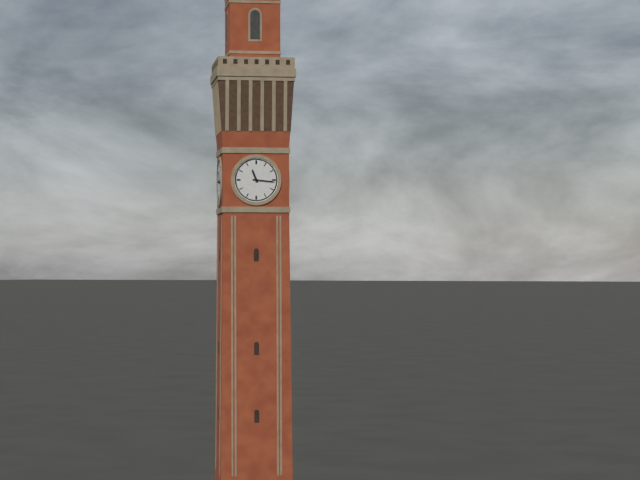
{"hour": 11, "minute": 16}
